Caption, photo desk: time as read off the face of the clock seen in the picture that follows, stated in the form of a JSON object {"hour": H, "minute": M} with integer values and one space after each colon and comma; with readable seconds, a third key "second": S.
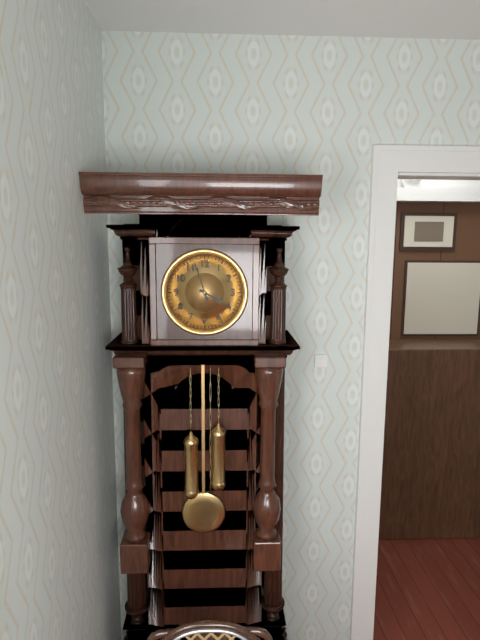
{"hour": 3, "minute": 57}
